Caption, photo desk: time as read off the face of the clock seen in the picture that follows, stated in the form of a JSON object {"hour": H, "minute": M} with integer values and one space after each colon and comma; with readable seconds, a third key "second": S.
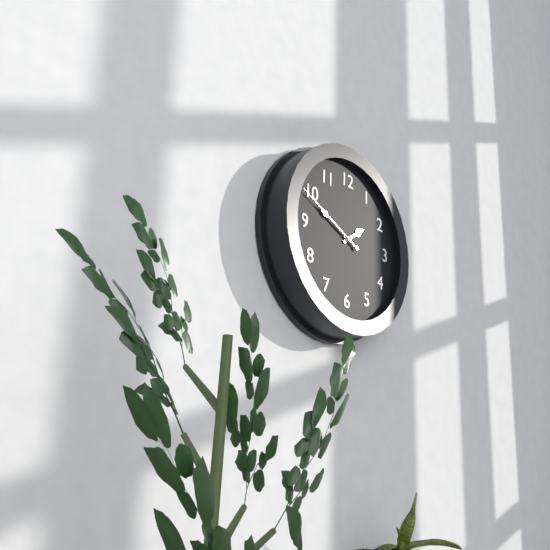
{"hour": 1, "minute": 49, "second": 49}
